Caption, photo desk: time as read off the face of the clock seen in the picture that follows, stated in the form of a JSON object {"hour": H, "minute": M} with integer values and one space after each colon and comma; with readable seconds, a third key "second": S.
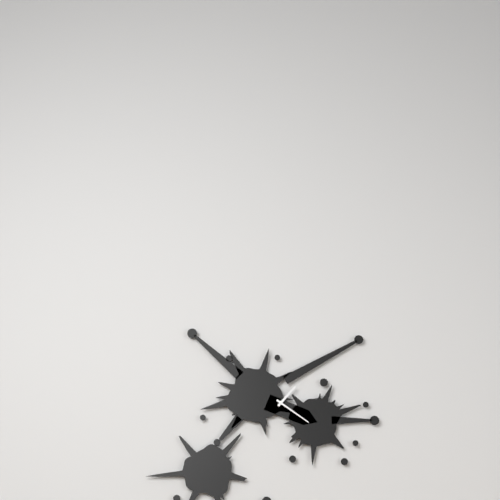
{"hour": 1, "minute": 21}
